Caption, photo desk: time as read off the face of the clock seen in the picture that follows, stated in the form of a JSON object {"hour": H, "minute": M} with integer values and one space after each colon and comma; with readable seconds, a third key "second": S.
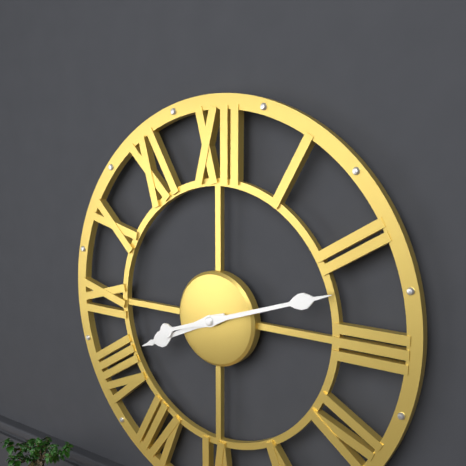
{"hour": 8, "minute": 12}
